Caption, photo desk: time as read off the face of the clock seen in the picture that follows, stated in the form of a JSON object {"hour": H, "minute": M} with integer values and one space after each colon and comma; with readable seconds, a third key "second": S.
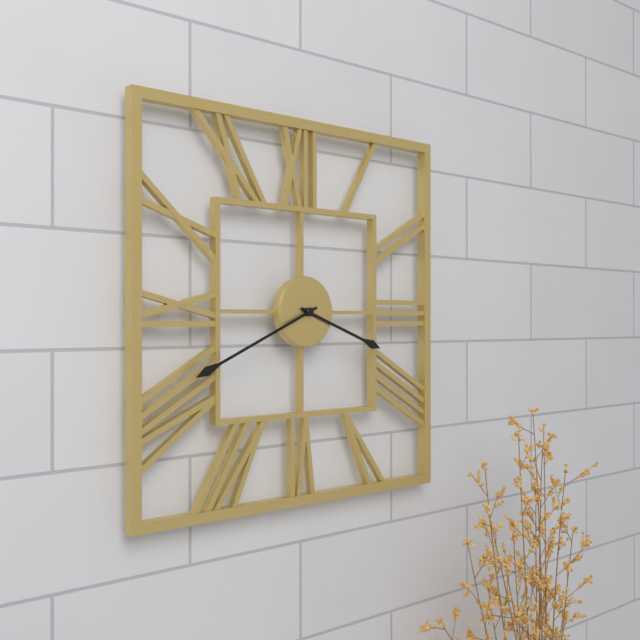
{"hour": 3, "minute": 41}
